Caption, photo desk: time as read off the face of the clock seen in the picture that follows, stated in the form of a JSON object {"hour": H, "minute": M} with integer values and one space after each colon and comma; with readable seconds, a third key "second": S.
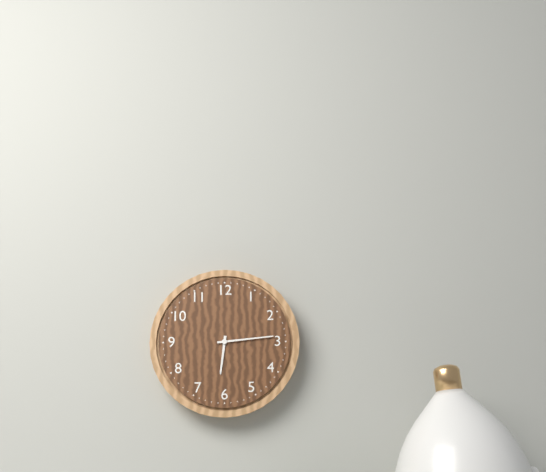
{"hour": 6, "minute": 14}
